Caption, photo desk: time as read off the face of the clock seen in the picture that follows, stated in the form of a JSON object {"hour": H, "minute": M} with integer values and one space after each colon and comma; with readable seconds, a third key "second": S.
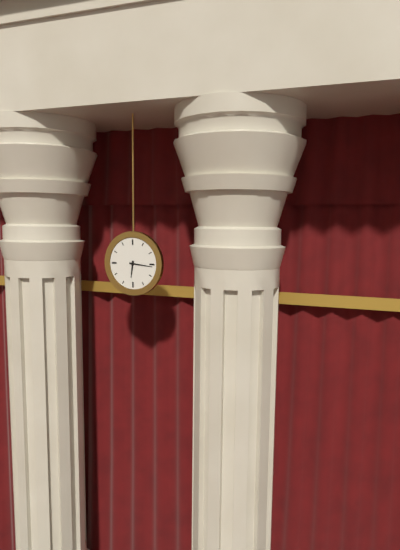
{"hour": 6, "minute": 16}
